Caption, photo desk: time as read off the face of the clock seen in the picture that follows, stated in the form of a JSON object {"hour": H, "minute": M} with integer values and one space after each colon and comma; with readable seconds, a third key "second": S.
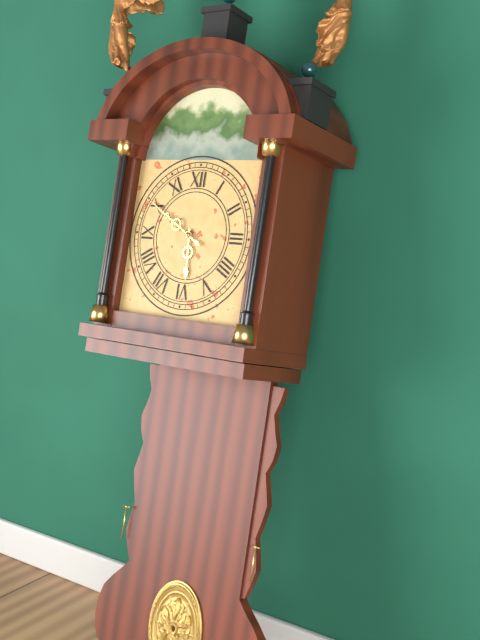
{"hour": 5, "minute": 50}
